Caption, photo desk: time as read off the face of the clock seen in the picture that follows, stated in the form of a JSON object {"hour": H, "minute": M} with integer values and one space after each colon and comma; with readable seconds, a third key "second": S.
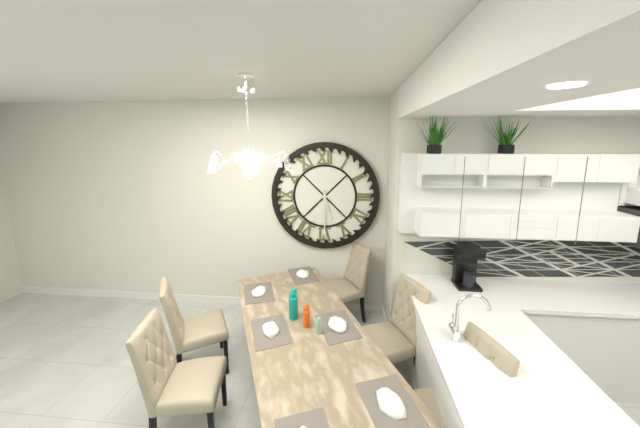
{"hour": 5, "minute": 30}
